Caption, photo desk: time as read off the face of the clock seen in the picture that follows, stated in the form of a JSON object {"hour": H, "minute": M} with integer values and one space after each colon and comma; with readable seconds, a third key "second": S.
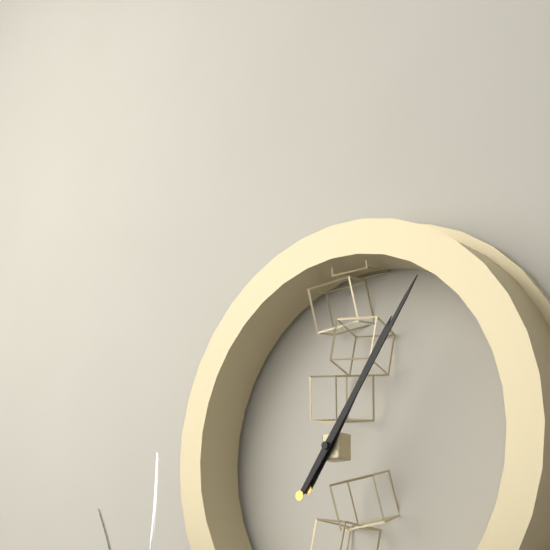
{"hour": 1, "minute": 6}
